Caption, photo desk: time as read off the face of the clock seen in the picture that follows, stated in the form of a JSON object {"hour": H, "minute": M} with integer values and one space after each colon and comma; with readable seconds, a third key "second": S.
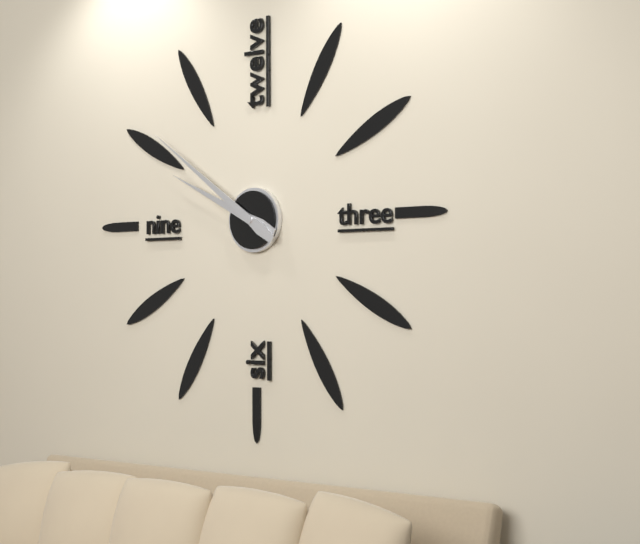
{"hour": 9, "minute": 51}
